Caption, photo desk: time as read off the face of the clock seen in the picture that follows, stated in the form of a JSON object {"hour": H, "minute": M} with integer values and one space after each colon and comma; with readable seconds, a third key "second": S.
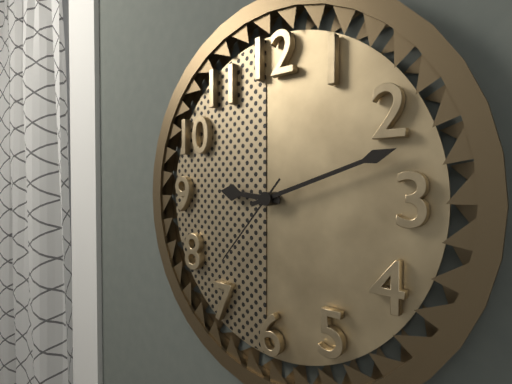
{"hour": 9, "minute": 12, "second": 37}
